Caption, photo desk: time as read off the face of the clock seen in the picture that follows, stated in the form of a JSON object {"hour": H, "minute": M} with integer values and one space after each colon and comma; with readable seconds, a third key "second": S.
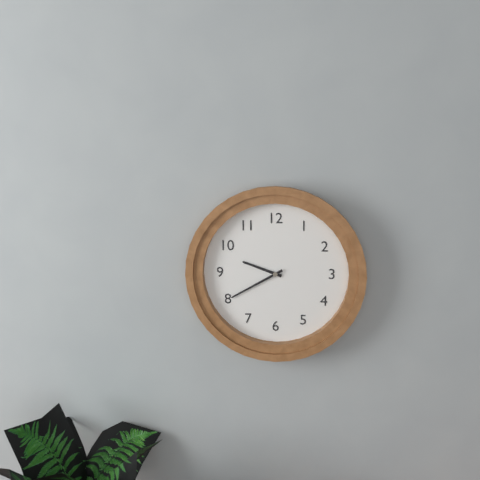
{"hour": 9, "minute": 40}
